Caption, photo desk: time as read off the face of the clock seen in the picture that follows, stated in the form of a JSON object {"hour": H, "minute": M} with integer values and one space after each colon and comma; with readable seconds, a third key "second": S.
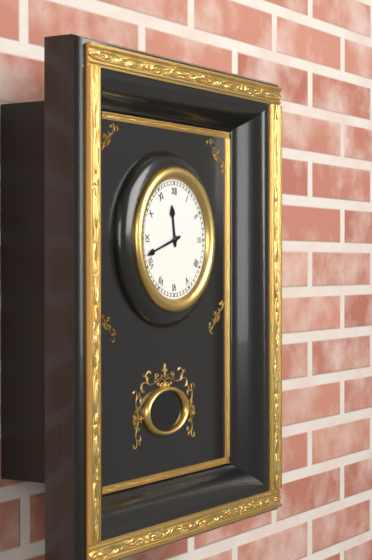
{"hour": 11, "minute": 42}
